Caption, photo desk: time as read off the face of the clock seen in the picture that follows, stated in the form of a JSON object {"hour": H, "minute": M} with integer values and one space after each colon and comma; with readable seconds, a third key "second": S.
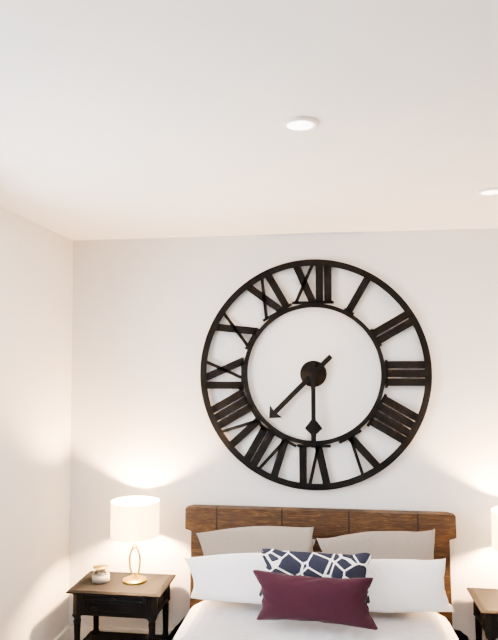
{"hour": 7, "minute": 30}
